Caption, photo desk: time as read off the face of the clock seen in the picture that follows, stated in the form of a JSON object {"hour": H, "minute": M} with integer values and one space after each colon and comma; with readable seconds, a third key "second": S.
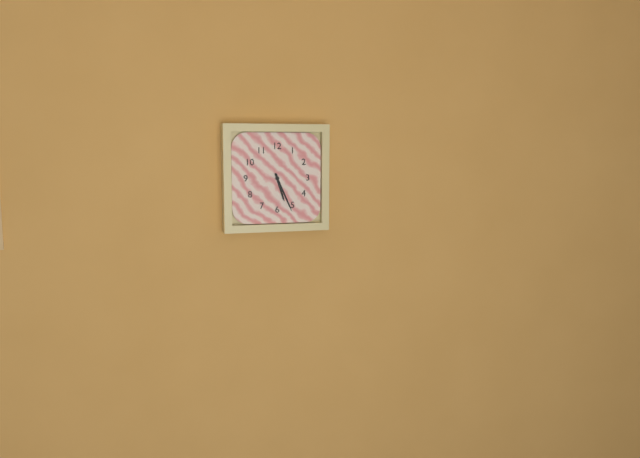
{"hour": 5, "minute": 26}
